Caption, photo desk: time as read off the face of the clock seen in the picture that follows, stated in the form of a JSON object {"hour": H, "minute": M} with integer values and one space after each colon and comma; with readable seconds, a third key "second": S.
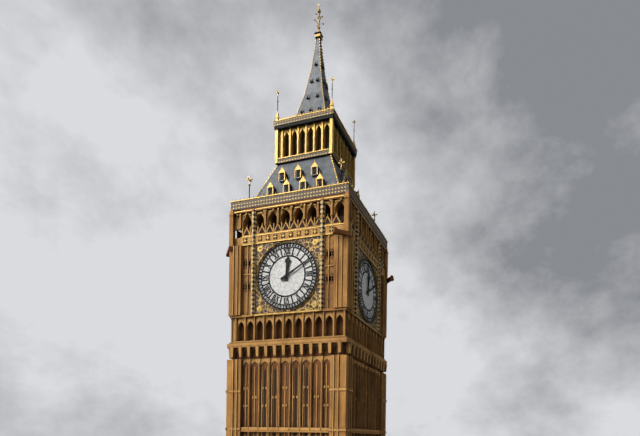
{"hour": 12, "minute": 10}
